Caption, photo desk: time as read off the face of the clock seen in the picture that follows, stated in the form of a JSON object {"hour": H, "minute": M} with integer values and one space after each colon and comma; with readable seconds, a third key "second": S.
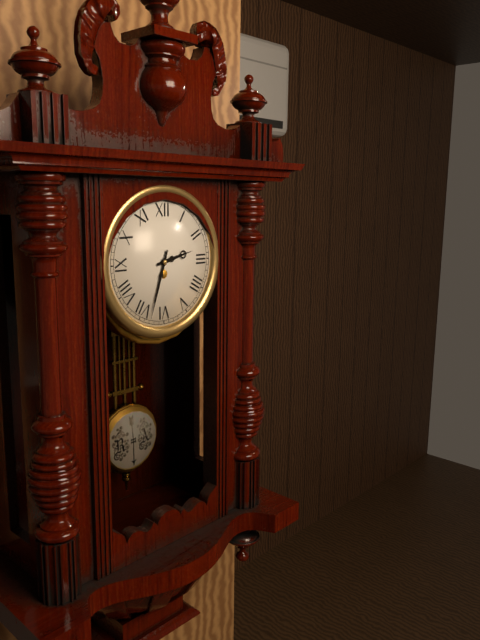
{"hour": 2, "minute": 33}
